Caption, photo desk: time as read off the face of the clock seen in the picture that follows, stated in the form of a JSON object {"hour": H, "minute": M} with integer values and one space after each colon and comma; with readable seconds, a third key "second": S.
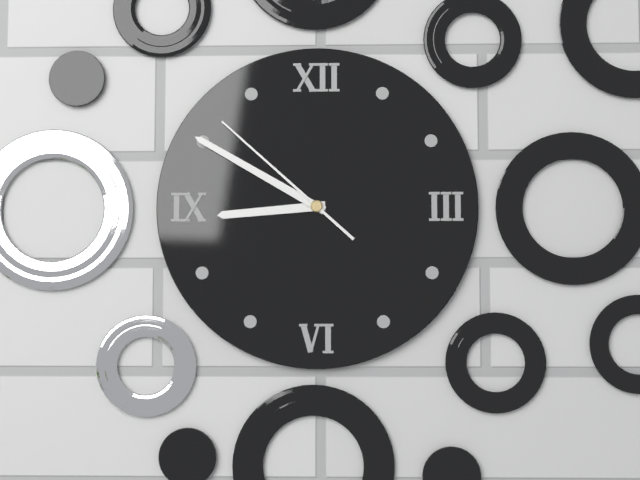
{"hour": 8, "minute": 50, "second": 52}
